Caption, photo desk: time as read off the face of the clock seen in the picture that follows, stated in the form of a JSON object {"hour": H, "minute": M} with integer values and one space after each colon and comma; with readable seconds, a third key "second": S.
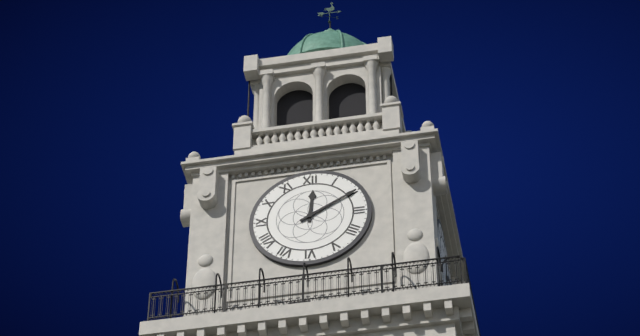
{"hour": 12, "minute": 10}
